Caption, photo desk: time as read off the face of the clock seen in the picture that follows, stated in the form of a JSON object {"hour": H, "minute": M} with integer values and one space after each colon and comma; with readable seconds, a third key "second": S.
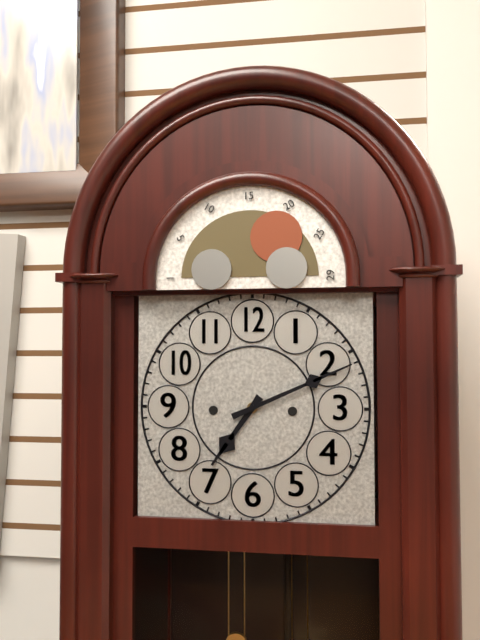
{"hour": 7, "minute": 11}
